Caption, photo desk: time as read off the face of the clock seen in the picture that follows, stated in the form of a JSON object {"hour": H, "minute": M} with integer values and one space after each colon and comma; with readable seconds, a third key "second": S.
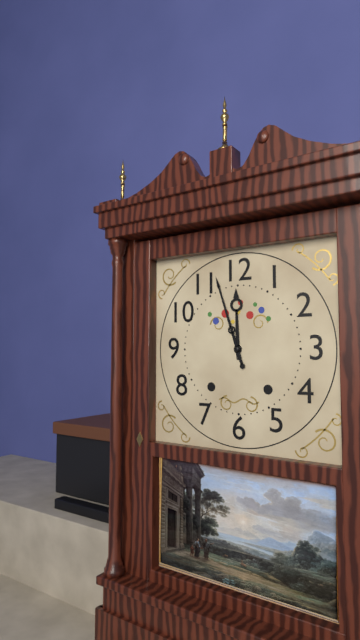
{"hour": 11, "minute": 57}
